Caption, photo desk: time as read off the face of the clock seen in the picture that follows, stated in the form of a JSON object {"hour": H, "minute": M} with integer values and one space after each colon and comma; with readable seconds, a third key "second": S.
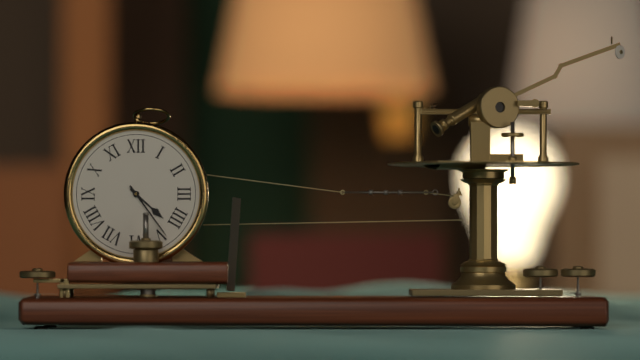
{"hour": 4, "minute": 24}
